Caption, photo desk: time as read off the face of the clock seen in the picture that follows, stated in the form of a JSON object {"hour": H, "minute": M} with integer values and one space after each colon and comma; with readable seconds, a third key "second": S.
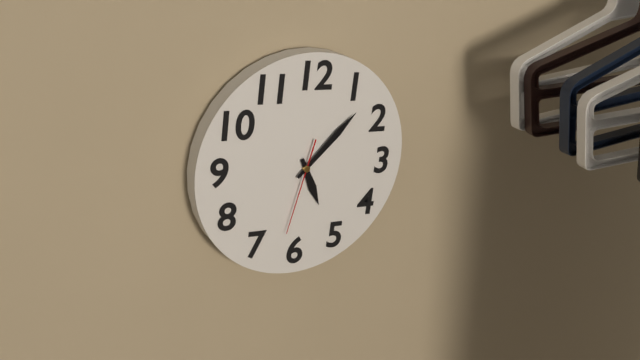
{"hour": 5, "minute": 7, "second": 32}
